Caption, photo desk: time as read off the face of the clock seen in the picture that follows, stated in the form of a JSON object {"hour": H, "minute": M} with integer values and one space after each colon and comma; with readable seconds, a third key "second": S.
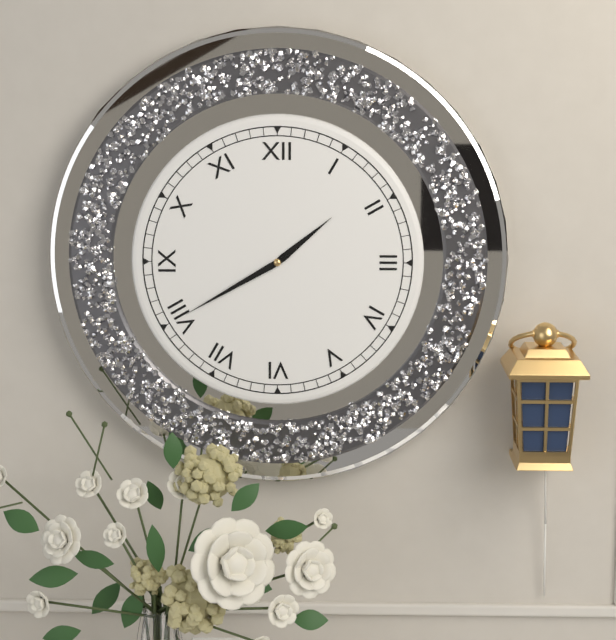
{"hour": 1, "minute": 40}
